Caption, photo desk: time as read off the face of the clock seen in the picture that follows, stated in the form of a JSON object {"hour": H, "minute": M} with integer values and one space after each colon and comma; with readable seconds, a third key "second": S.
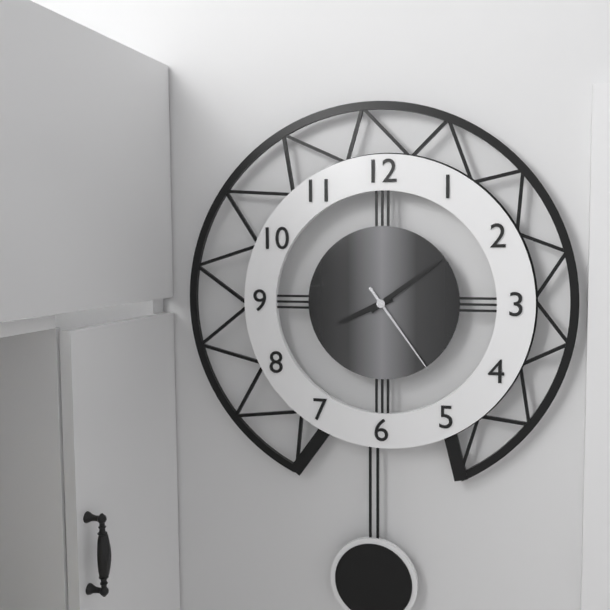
{"hour": 8, "minute": 9, "second": 24}
